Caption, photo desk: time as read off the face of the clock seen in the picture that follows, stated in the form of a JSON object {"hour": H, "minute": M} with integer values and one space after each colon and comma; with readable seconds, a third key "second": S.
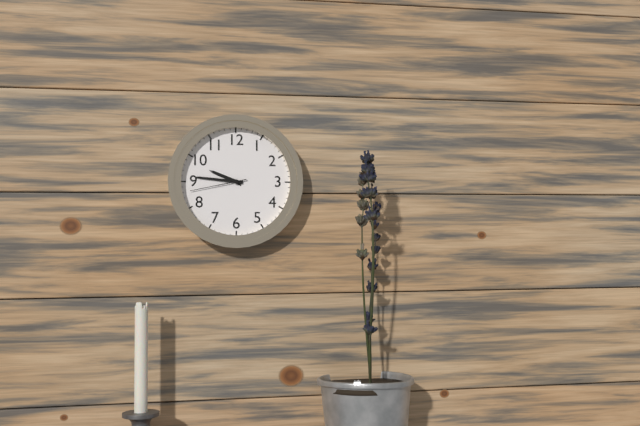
{"hour": 9, "minute": 46, "second": 43}
